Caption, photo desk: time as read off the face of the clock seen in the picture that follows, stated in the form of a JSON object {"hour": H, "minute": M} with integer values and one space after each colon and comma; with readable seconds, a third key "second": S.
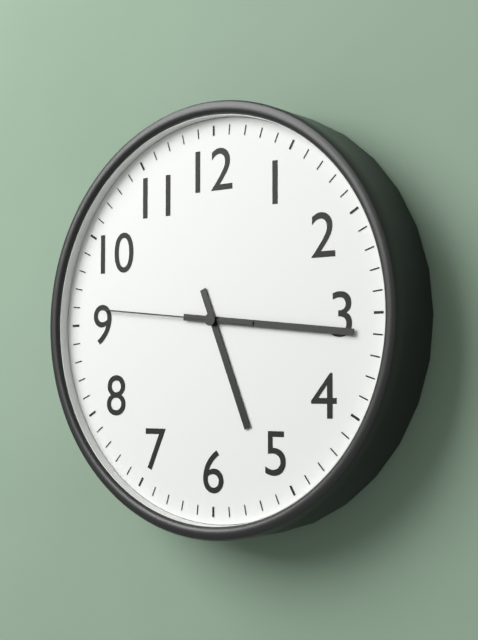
{"hour": 5, "minute": 16, "second": 46}
